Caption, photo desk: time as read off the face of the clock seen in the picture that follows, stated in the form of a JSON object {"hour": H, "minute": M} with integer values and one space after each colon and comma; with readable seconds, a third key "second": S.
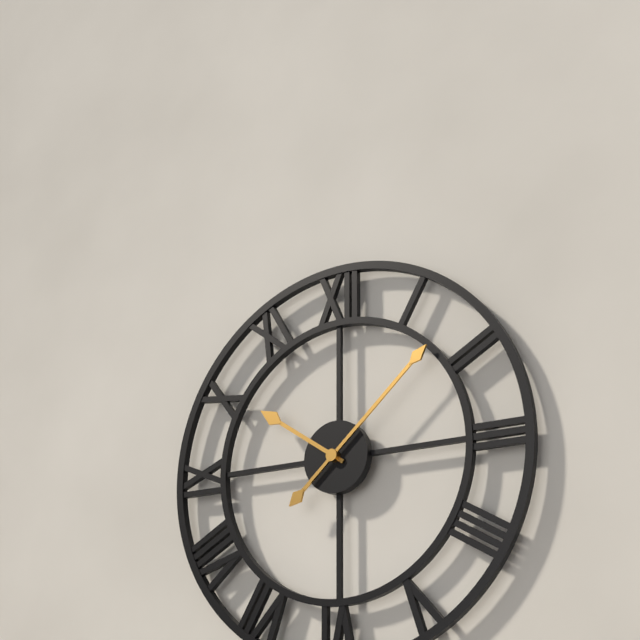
{"hour": 10, "minute": 8}
